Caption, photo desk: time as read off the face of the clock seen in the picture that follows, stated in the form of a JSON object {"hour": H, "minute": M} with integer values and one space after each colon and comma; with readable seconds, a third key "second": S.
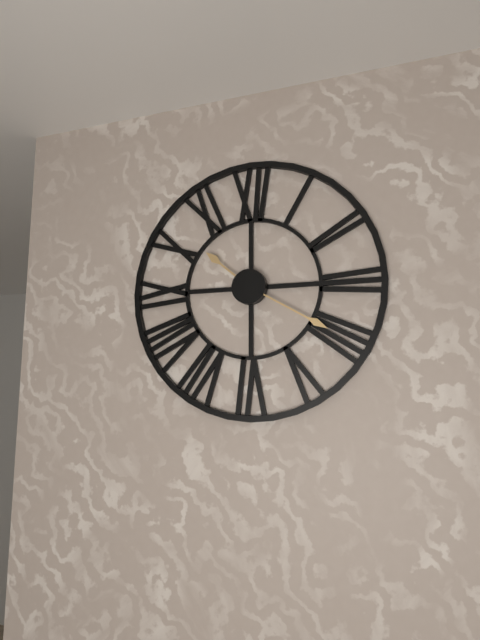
{"hour": 10, "minute": 20}
